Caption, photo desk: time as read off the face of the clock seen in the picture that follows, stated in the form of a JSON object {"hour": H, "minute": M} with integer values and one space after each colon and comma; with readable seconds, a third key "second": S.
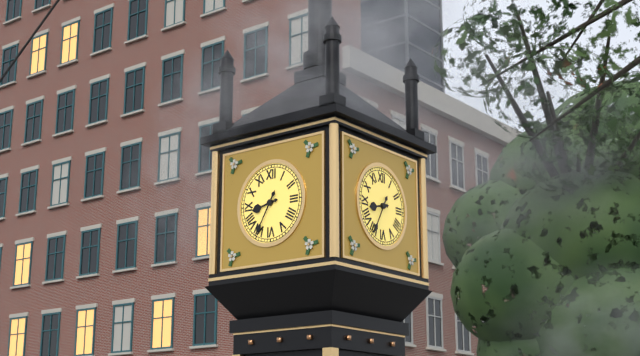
{"hour": 8, "minute": 35}
